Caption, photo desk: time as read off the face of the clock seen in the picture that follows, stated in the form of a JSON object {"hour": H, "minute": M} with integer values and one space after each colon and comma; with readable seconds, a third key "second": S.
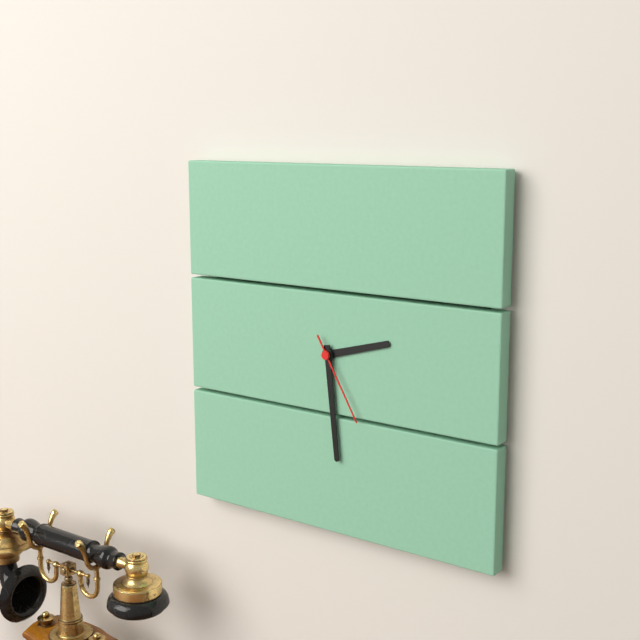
{"hour": 2, "minute": 29, "second": 25}
